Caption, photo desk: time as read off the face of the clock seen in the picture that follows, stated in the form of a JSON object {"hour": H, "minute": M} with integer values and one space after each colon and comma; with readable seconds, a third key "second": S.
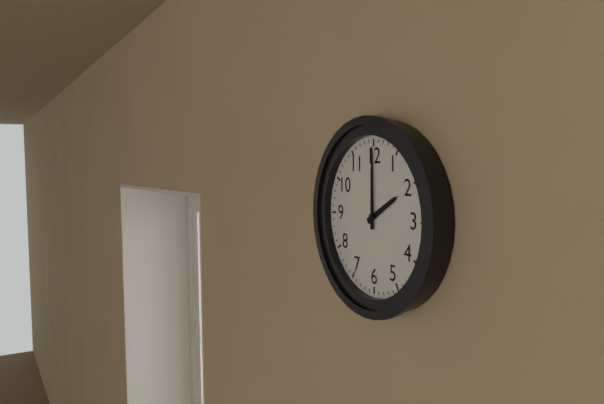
{"hour": 2, "minute": 0}
